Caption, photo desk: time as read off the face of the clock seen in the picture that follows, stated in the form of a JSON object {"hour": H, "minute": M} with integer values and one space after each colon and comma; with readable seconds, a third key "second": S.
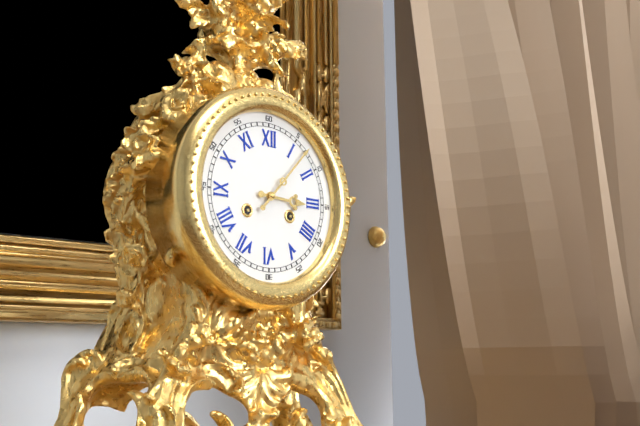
{"hour": 3, "minute": 7}
